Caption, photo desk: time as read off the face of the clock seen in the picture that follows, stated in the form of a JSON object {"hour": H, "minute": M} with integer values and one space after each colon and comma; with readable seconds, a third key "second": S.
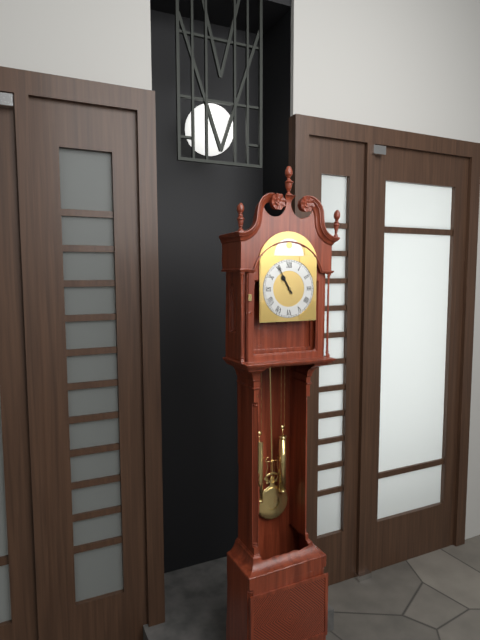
{"hour": 10, "minute": 55}
